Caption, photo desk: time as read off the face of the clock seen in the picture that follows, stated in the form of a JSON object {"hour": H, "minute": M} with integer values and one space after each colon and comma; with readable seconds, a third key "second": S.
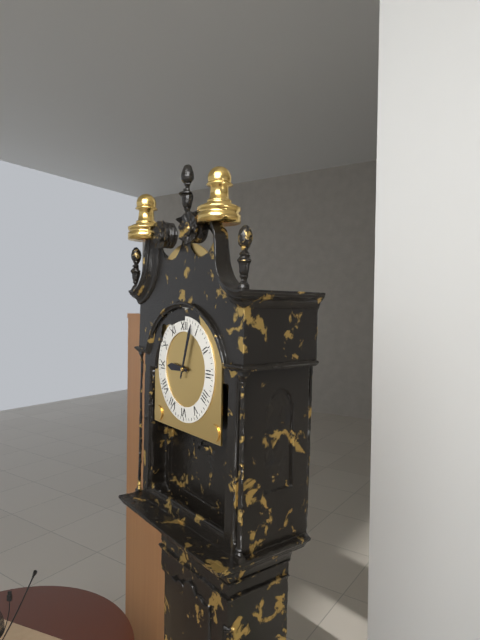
{"hour": 9, "minute": 3}
